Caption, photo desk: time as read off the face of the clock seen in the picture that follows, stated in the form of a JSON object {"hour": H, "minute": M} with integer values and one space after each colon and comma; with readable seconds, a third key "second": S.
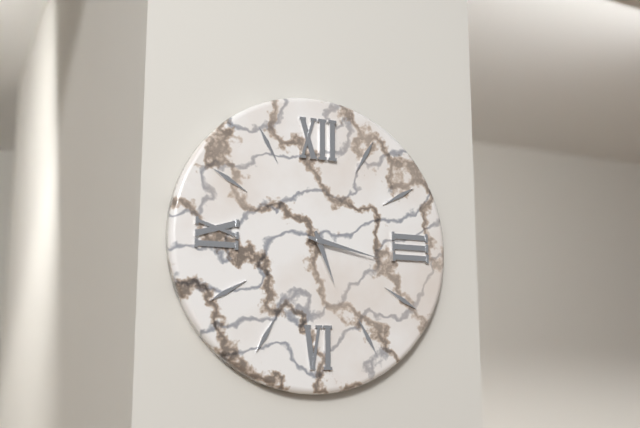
{"hour": 5, "minute": 17}
